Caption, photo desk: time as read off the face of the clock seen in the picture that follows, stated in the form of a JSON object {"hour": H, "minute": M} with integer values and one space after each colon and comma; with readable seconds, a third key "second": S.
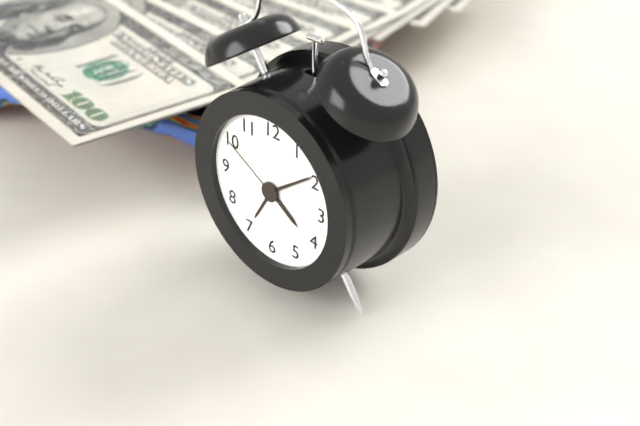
{"hour": 4, "minute": 9, "second": 50}
